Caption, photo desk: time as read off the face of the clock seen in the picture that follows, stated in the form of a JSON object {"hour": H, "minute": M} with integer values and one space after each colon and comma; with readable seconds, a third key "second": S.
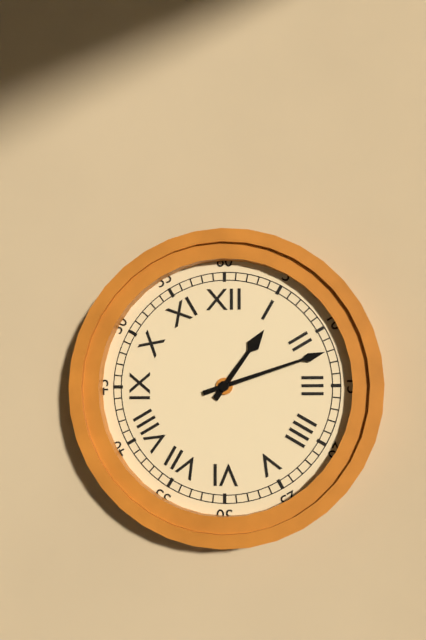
{"hour": 1, "minute": 12}
